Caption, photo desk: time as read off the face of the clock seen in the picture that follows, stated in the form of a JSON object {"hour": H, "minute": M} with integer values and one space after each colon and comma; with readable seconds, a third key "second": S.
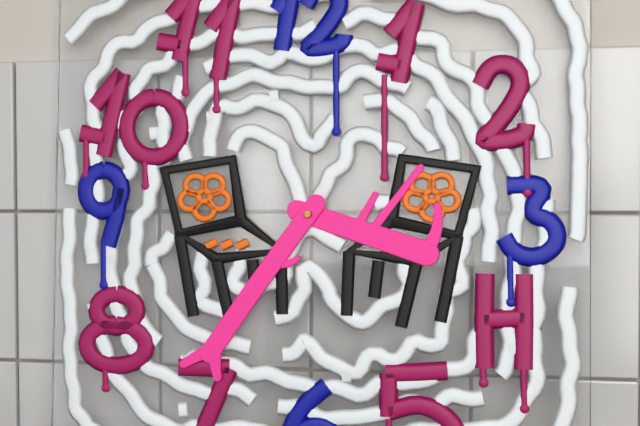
{"hour": 3, "minute": 36}
